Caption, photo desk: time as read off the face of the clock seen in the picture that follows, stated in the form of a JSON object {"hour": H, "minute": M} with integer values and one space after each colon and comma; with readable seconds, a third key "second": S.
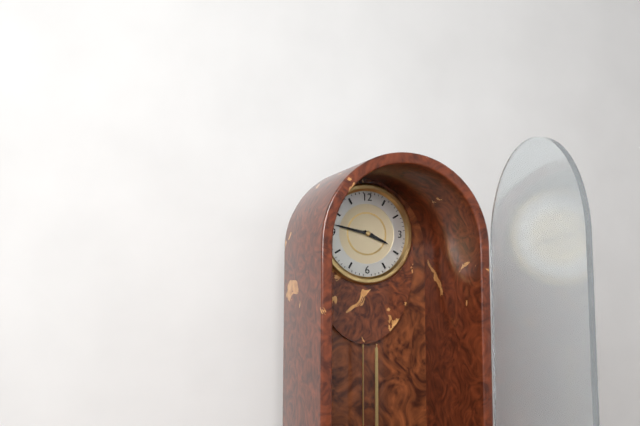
{"hour": 3, "minute": 47}
